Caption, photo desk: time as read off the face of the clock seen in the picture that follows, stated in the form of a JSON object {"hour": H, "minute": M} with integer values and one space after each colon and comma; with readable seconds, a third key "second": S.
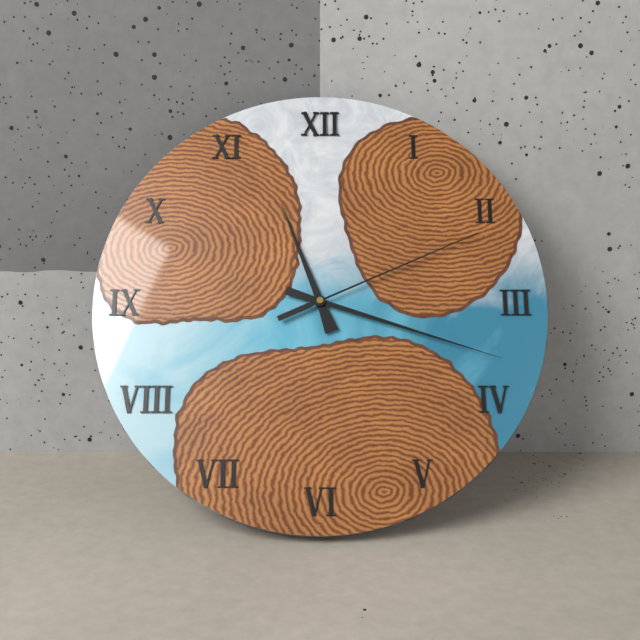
{"hour": 11, "minute": 18, "second": 11}
